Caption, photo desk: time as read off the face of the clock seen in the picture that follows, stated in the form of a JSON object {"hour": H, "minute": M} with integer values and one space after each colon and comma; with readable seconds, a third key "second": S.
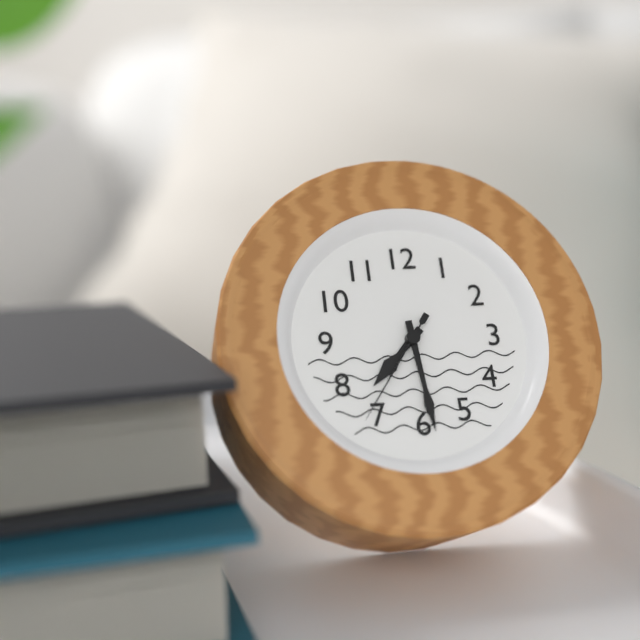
{"hour": 7, "minute": 29, "second": 36}
